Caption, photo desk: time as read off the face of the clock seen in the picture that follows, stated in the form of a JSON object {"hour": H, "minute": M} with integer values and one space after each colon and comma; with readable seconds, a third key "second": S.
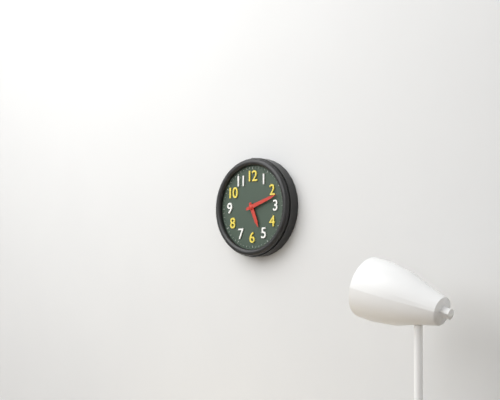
{"hour": 5, "minute": 12}
